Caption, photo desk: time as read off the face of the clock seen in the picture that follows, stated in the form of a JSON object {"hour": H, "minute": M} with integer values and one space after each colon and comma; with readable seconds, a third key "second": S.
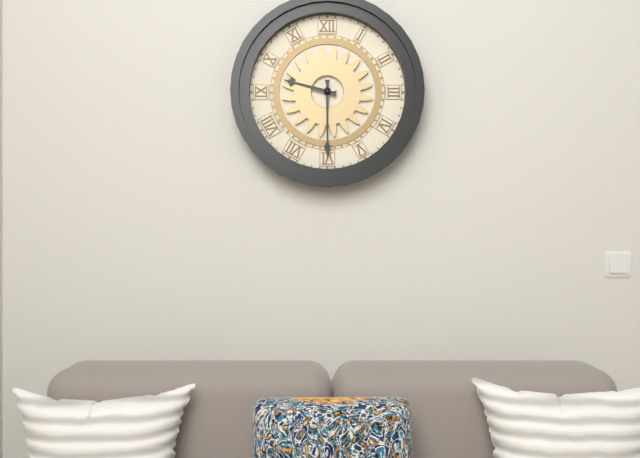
{"hour": 9, "minute": 30}
